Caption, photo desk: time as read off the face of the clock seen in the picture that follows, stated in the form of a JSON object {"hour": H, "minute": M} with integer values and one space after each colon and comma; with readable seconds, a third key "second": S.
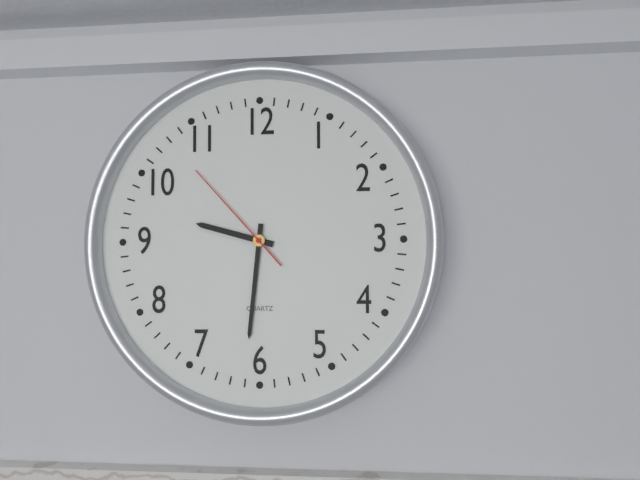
{"hour": 9, "minute": 31, "second": 53}
